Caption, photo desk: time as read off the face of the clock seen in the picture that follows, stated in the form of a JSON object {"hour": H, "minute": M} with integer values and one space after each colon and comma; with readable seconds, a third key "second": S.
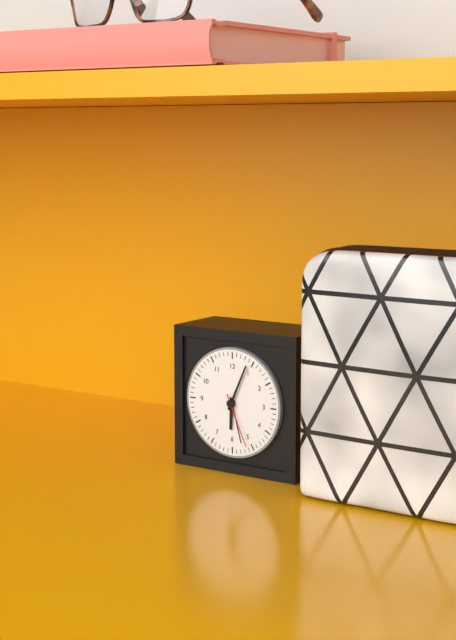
{"hour": 6, "minute": 4, "second": 26}
